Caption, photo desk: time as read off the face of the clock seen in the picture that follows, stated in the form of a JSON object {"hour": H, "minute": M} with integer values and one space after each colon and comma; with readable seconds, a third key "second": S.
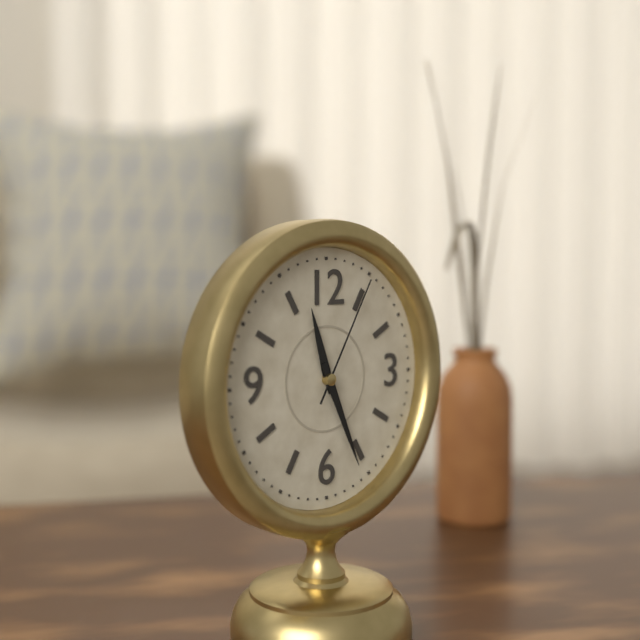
{"hour": 11, "minute": 26, "second": 5}
